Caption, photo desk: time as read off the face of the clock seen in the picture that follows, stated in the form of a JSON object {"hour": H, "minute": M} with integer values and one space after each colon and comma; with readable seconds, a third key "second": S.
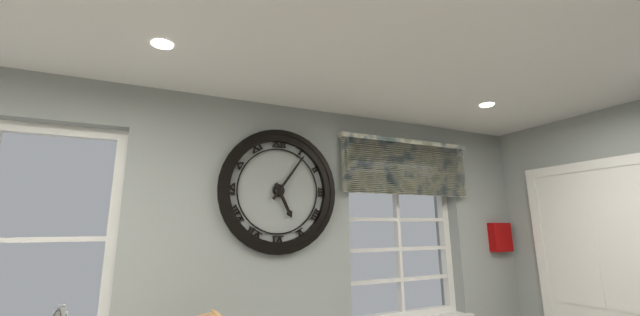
{"hour": 5, "minute": 6}
